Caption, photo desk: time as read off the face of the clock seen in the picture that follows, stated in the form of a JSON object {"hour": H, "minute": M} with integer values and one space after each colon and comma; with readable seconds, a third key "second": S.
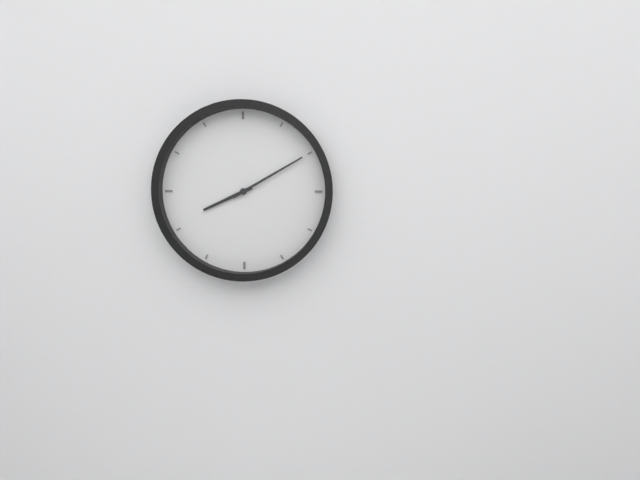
{"hour": 8, "minute": 10}
